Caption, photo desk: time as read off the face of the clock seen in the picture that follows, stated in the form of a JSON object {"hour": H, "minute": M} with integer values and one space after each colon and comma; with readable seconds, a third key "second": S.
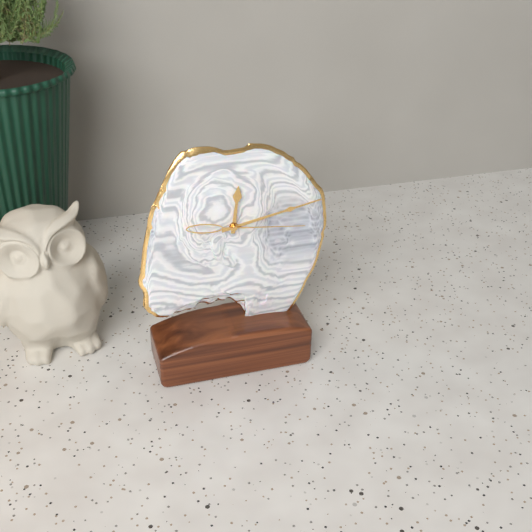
{"hour": 12, "minute": 13, "second": 16}
